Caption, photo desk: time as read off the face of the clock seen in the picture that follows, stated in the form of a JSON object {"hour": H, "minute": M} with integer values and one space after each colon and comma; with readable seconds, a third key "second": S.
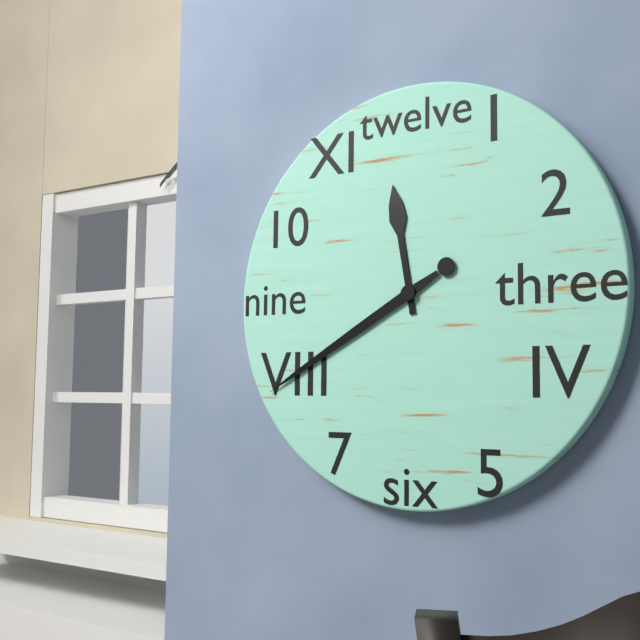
{"hour": 11, "minute": 40}
